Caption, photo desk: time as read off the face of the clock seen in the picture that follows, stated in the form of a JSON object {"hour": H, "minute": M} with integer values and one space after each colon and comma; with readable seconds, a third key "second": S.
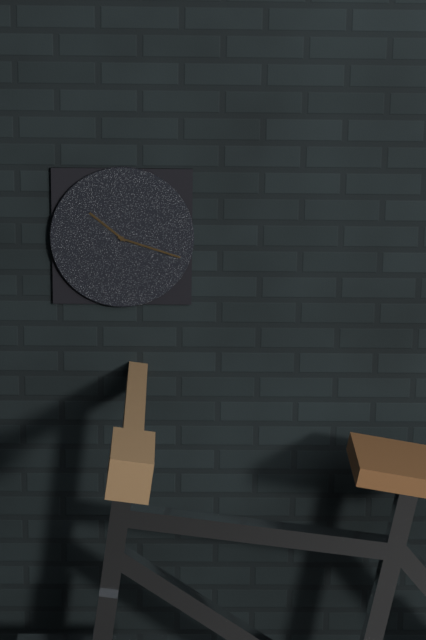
{"hour": 10, "minute": 18}
